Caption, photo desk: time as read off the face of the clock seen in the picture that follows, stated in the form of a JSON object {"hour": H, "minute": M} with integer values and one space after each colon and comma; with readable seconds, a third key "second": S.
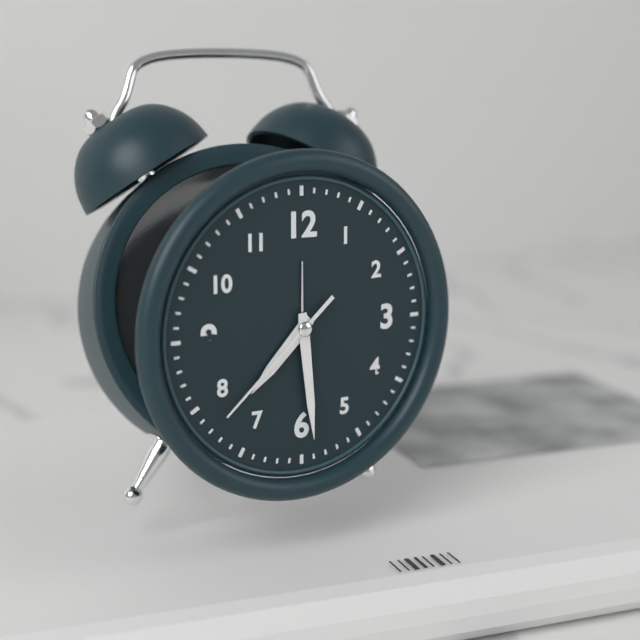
{"hour": 7, "minute": 29, "second": 38}
